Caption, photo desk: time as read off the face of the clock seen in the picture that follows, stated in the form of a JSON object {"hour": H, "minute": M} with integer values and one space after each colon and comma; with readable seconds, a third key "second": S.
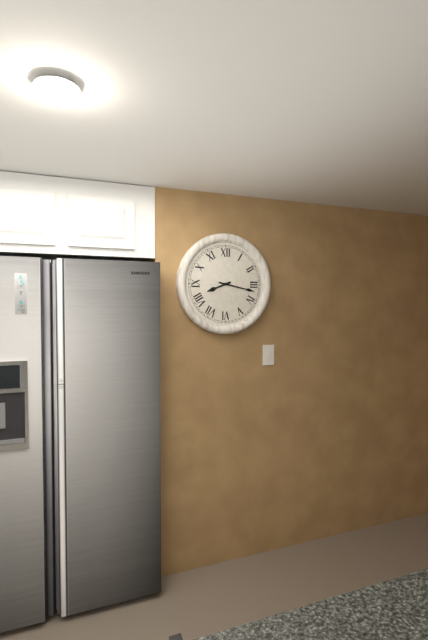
{"hour": 8, "minute": 17}
